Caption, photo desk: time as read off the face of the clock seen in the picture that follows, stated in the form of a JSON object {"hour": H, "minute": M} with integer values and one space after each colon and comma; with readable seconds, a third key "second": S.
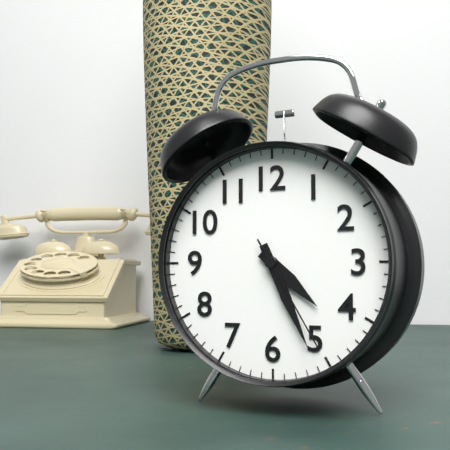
{"hour": 4, "minute": 26, "second": 25}
